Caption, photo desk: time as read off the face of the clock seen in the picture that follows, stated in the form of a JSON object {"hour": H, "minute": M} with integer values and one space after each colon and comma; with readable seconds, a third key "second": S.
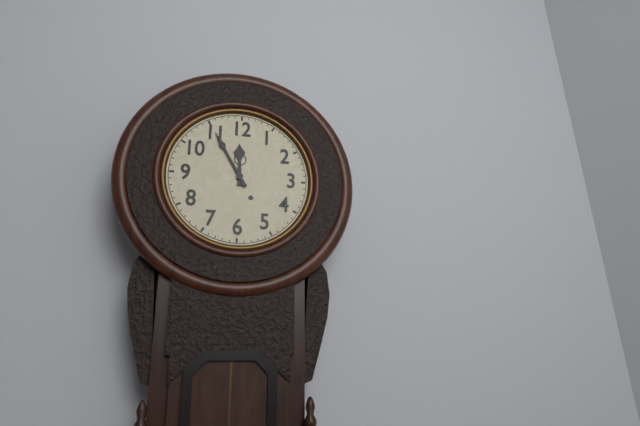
{"hour": 11, "minute": 55}
